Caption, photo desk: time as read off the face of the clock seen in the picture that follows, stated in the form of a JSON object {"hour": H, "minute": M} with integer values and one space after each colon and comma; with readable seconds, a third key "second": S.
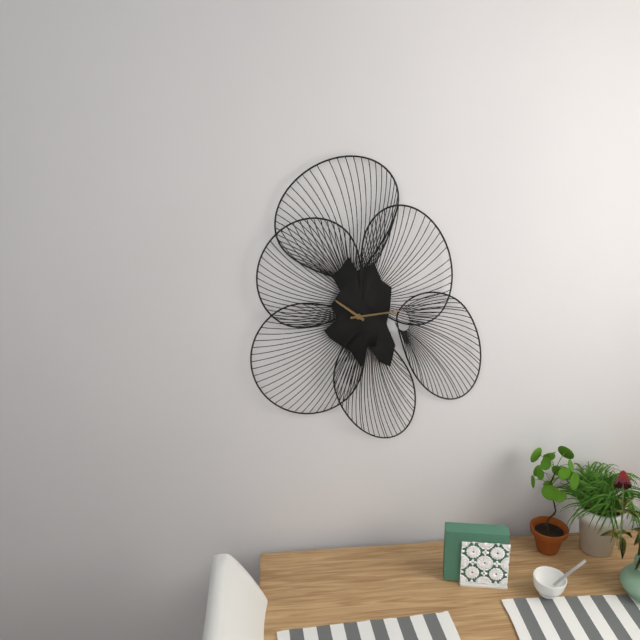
{"hour": 10, "minute": 14}
